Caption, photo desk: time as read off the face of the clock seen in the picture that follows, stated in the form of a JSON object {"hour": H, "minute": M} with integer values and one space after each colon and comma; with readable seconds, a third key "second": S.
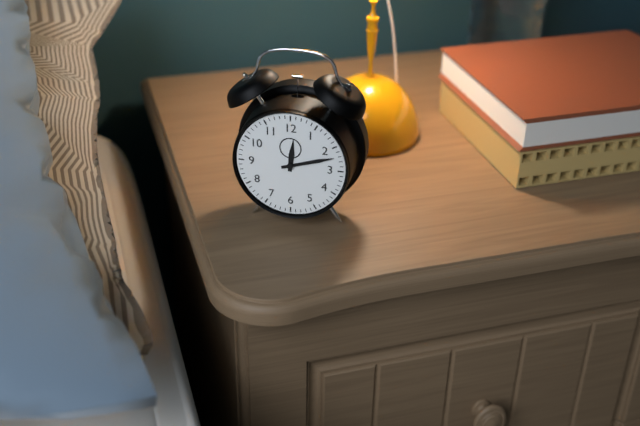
{"hour": 12, "minute": 12}
